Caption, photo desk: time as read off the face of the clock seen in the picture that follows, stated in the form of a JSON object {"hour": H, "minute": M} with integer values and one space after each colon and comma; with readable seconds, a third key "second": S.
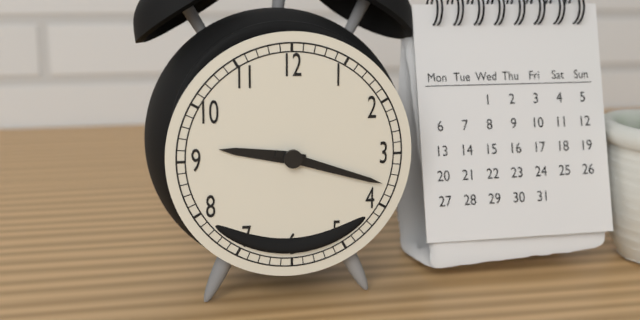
{"hour": 9, "minute": 18}
